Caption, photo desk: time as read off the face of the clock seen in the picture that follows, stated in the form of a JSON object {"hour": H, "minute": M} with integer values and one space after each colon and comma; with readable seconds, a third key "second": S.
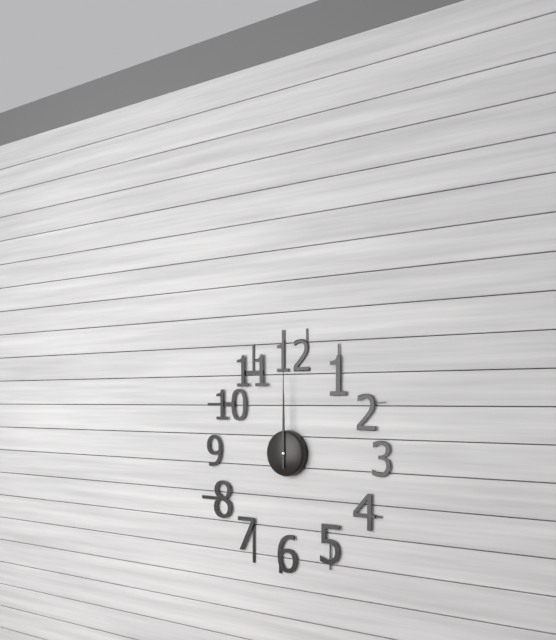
{"hour": 12, "minute": 0}
